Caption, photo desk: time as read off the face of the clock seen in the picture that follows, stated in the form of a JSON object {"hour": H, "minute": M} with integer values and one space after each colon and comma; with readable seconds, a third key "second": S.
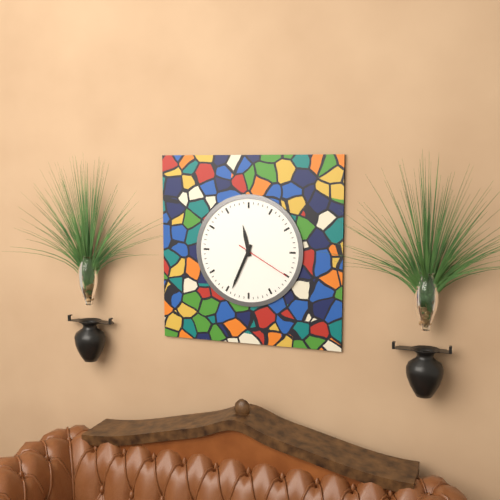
{"hour": 11, "minute": 34, "second": 20}
